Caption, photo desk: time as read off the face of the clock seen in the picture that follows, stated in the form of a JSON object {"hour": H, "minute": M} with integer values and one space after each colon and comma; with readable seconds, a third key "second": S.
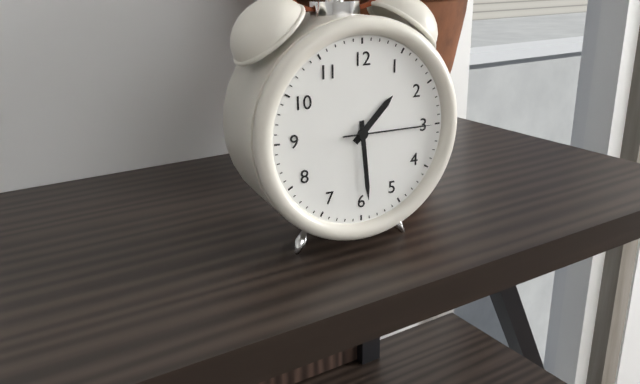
{"hour": 1, "minute": 29, "second": 15}
